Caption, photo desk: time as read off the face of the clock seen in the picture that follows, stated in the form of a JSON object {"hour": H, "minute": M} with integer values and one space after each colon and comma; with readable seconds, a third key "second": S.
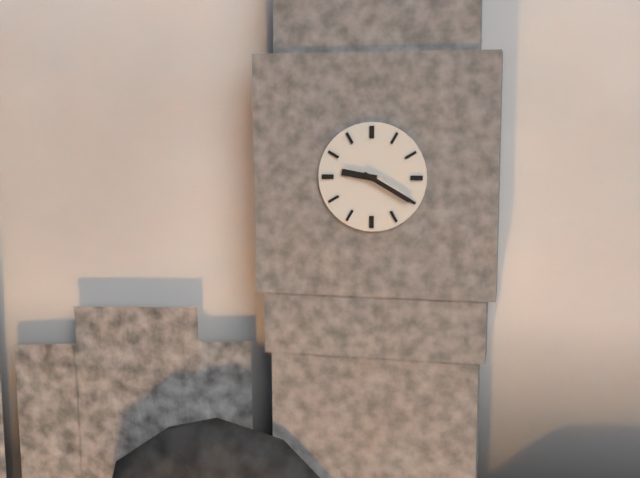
{"hour": 9, "minute": 20}
